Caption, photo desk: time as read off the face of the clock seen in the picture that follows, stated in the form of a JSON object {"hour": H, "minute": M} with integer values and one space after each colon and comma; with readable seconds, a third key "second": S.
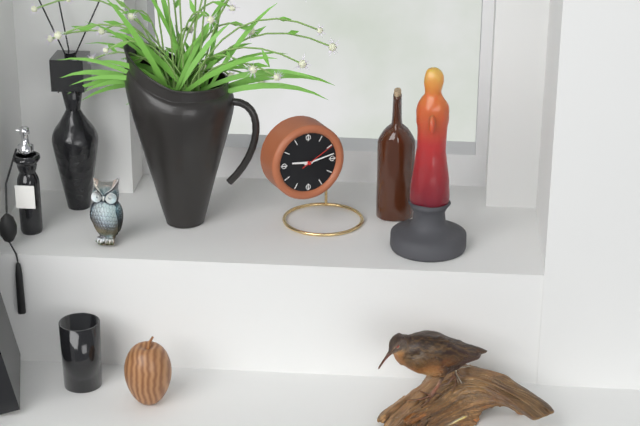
{"hour": 9, "minute": 13}
